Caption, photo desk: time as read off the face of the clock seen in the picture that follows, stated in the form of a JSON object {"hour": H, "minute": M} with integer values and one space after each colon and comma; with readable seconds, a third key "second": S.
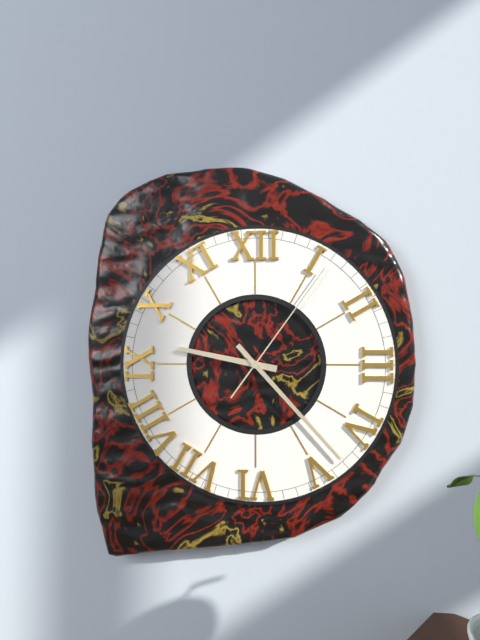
{"hour": 9, "minute": 23, "second": 6}
